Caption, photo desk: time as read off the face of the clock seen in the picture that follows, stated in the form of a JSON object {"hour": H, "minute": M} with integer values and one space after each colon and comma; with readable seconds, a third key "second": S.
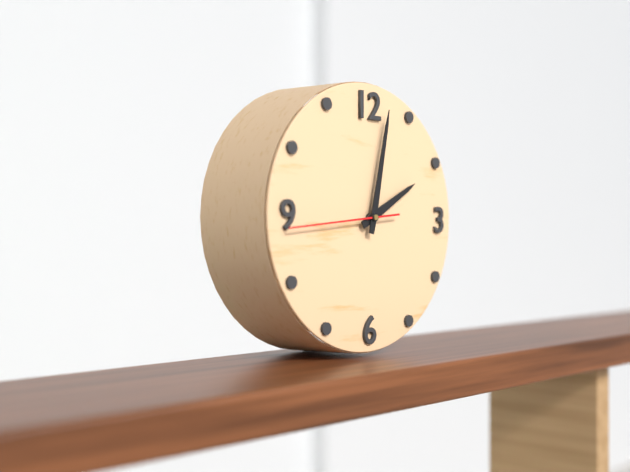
{"hour": 2, "minute": 2, "second": 44}
